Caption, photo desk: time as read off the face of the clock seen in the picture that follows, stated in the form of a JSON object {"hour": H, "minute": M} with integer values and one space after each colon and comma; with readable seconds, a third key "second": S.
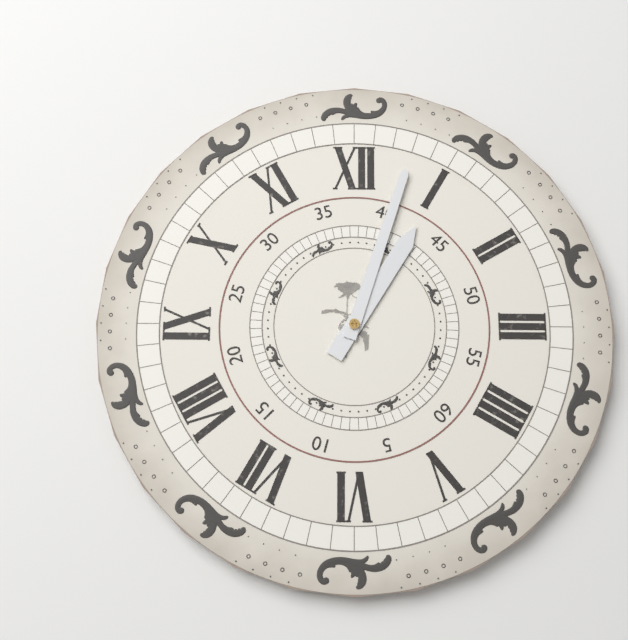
{"hour": 1, "minute": 3}
